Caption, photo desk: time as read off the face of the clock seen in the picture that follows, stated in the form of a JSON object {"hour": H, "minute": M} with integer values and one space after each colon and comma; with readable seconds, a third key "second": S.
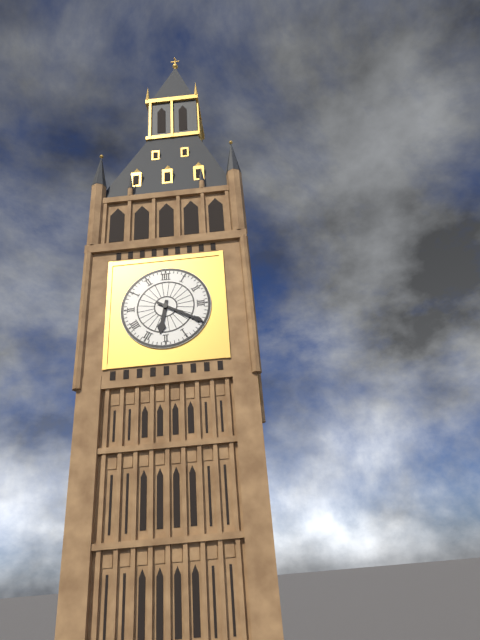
{"hour": 6, "minute": 20}
